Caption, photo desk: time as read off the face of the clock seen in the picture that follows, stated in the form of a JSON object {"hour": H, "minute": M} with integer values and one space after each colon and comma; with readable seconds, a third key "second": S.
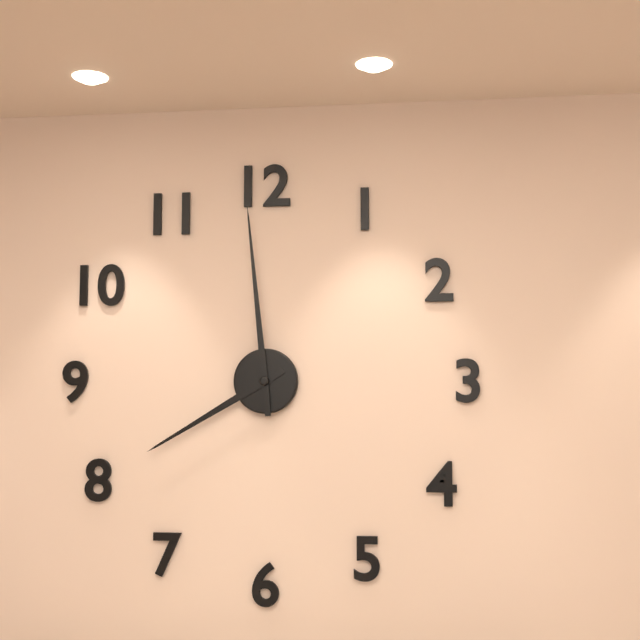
{"hour": 7, "minute": 59}
